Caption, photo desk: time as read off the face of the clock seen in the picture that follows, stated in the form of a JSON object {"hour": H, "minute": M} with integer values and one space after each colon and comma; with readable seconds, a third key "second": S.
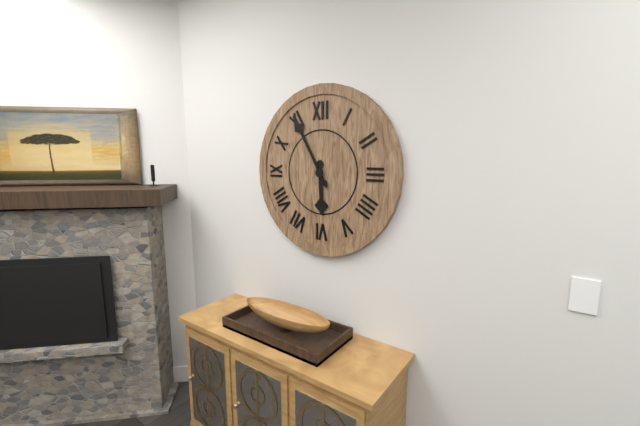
{"hour": 5, "minute": 55}
